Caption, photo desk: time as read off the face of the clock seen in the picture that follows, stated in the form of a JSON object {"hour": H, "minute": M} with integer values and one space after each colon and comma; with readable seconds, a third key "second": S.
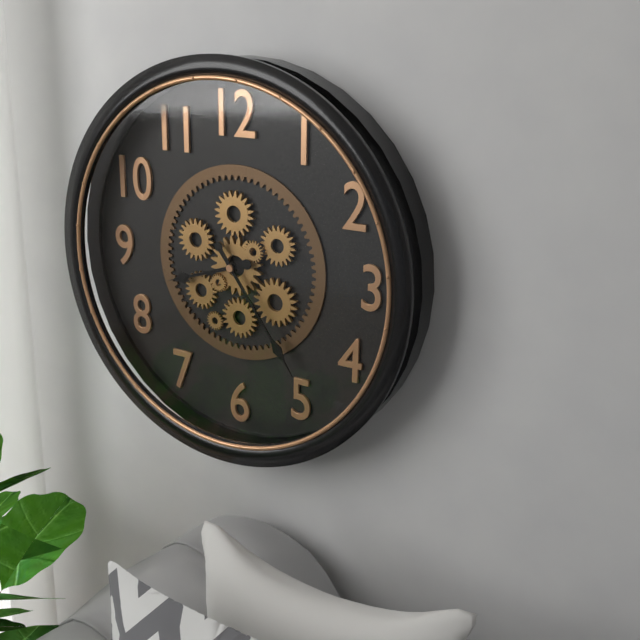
{"hour": 8, "minute": 24}
